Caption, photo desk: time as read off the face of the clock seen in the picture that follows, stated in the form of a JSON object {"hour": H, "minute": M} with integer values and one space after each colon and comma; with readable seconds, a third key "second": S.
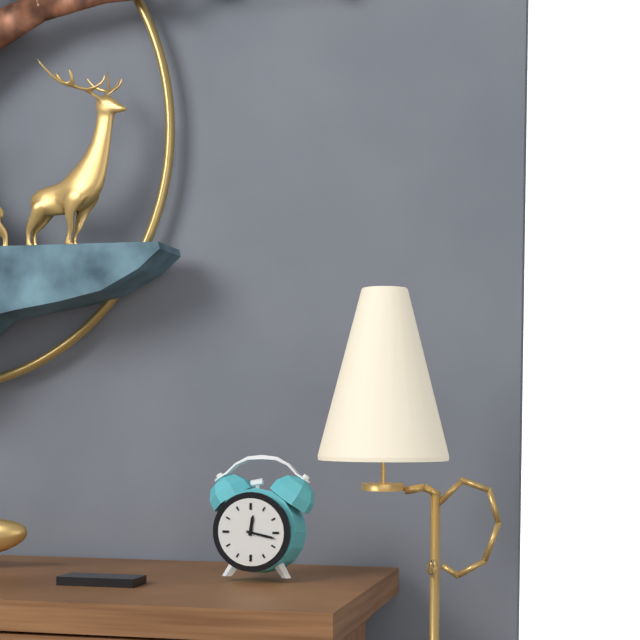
{"hour": 12, "minute": 17}
